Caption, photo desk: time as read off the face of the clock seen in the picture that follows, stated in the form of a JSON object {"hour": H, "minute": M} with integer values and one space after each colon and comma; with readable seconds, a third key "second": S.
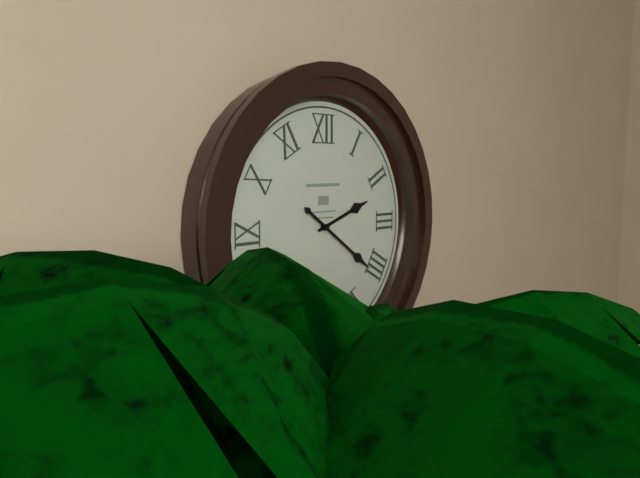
{"hour": 2, "minute": 21}
